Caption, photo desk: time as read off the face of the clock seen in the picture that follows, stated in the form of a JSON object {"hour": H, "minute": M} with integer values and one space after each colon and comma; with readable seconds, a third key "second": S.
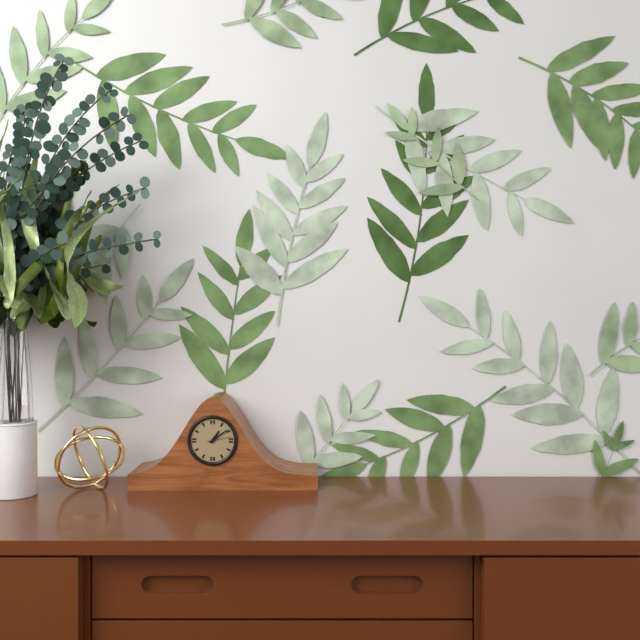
{"hour": 1, "minute": 9}
